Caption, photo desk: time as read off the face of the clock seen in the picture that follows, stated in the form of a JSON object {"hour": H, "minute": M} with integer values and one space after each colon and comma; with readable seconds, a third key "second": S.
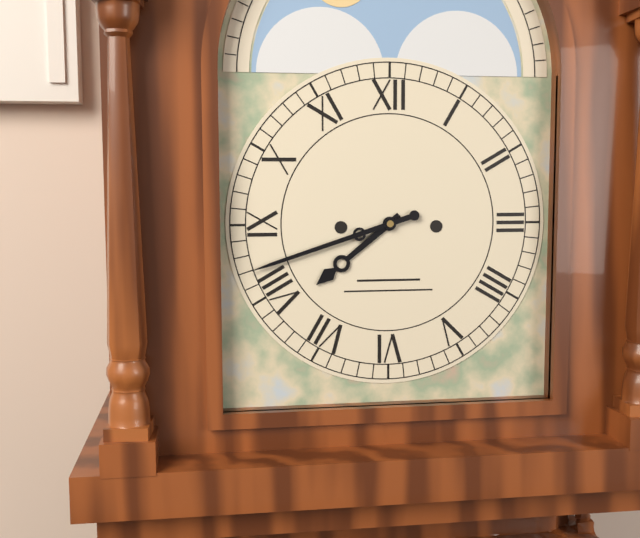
{"hour": 7, "minute": 42}
